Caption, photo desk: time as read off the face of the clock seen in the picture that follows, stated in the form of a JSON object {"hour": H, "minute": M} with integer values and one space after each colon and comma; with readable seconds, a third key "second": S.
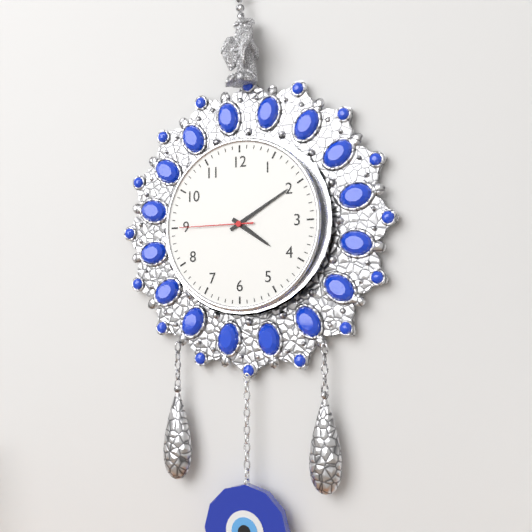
{"hour": 4, "minute": 10, "second": 45}
